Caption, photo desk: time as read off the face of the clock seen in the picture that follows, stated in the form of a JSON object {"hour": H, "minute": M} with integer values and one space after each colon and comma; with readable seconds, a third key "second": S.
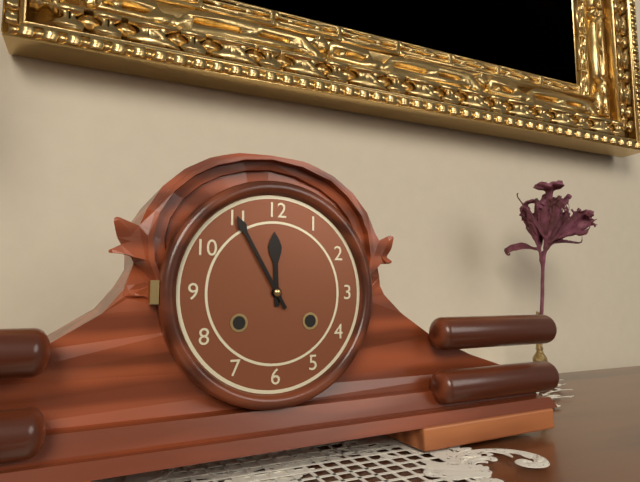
{"hour": 11, "minute": 55}
